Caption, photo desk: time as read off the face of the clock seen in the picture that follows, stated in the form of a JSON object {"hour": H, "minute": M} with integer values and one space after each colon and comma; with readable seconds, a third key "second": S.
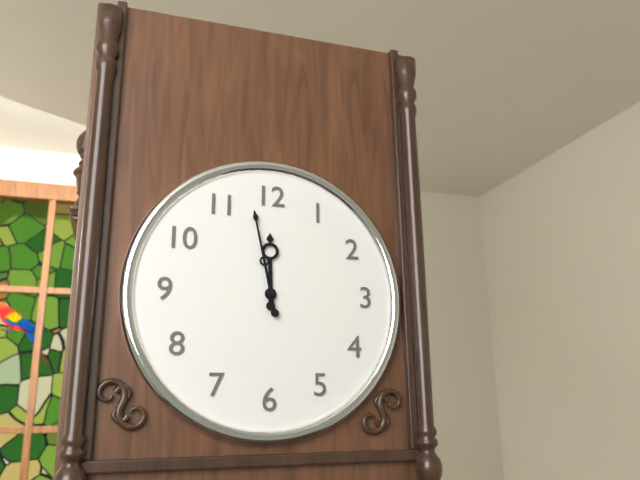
{"hour": 11, "minute": 58}
